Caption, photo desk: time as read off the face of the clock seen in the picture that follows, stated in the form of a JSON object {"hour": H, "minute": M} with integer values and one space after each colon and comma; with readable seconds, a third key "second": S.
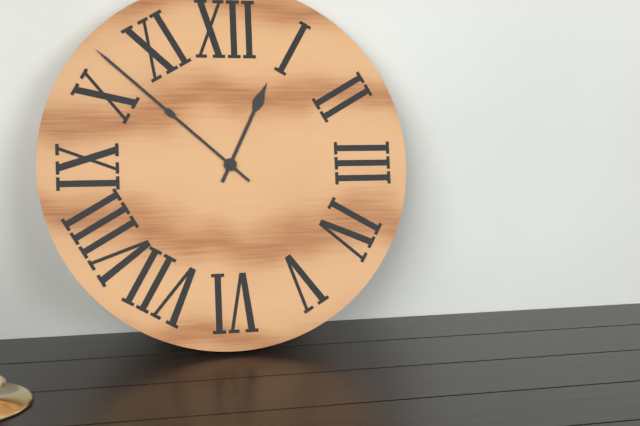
{"hour": 12, "minute": 52}
